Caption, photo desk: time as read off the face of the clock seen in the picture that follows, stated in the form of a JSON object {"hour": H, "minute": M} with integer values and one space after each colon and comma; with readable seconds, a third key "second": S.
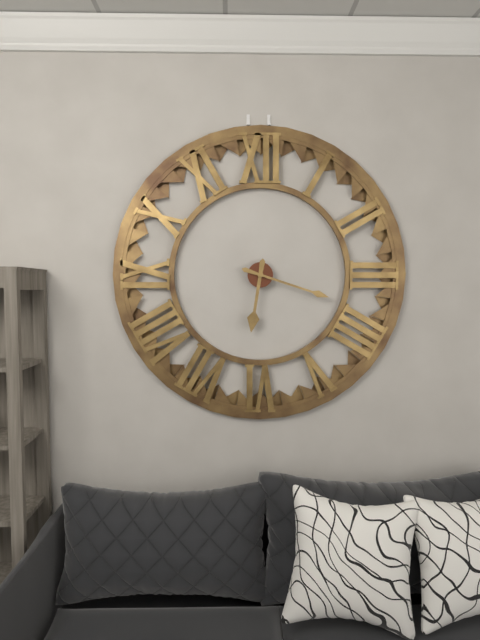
{"hour": 6, "minute": 18}
